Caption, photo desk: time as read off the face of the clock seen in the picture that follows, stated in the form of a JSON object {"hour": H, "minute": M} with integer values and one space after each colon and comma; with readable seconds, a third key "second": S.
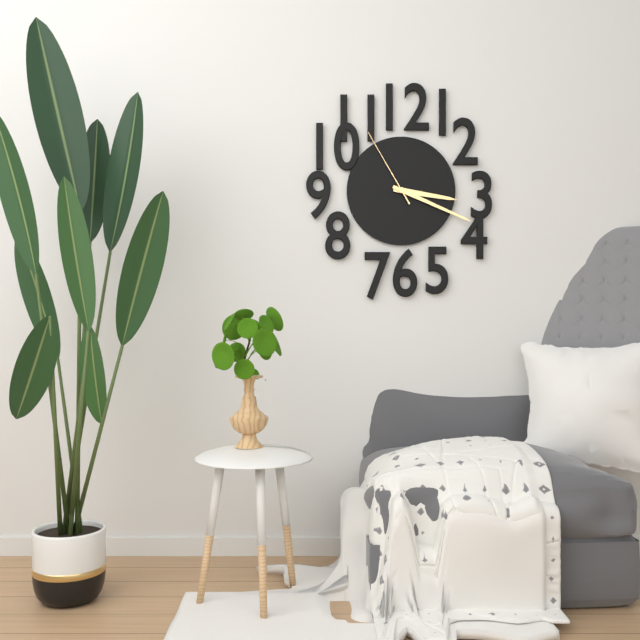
{"hour": 3, "minute": 19, "second": 55}
